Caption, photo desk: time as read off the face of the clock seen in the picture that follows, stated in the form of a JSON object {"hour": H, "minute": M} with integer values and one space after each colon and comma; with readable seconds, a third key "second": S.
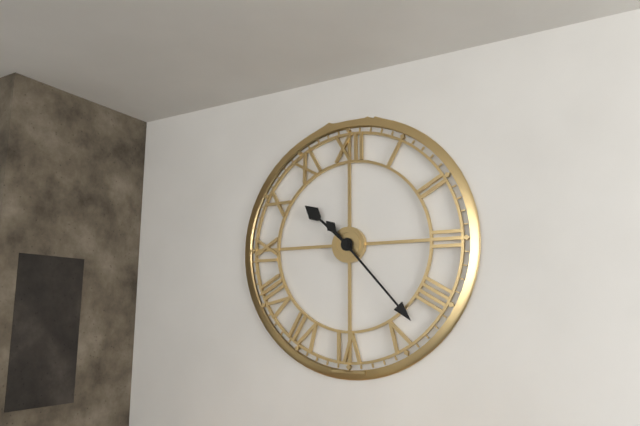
{"hour": 10, "minute": 23}
